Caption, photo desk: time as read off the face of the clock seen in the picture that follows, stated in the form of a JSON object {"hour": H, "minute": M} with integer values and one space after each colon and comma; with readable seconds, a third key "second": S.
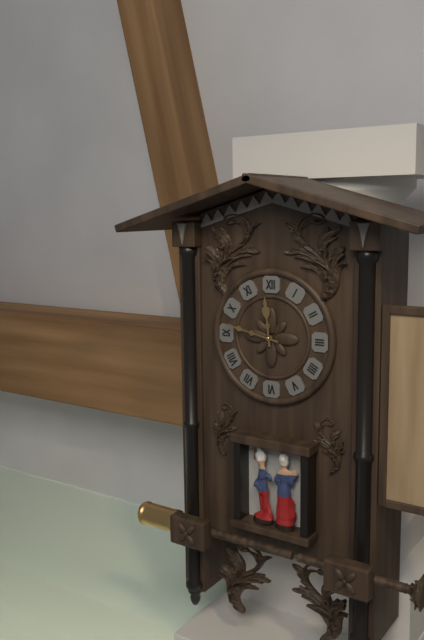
{"hour": 11, "minute": 47}
